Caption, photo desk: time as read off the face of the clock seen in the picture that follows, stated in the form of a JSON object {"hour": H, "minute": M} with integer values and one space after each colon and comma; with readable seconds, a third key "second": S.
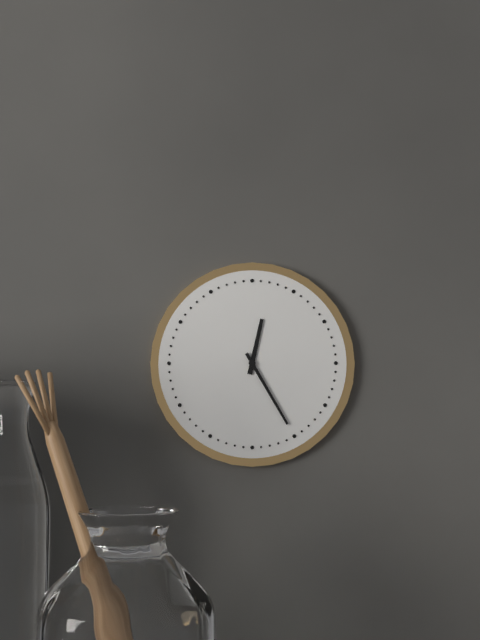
{"hour": 12, "minute": 25}
